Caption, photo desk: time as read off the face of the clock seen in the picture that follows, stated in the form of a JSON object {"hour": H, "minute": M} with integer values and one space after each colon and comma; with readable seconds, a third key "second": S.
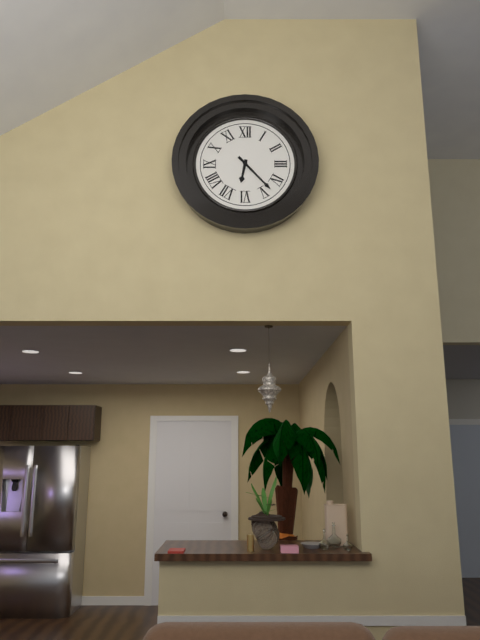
{"hour": 6, "minute": 23}
